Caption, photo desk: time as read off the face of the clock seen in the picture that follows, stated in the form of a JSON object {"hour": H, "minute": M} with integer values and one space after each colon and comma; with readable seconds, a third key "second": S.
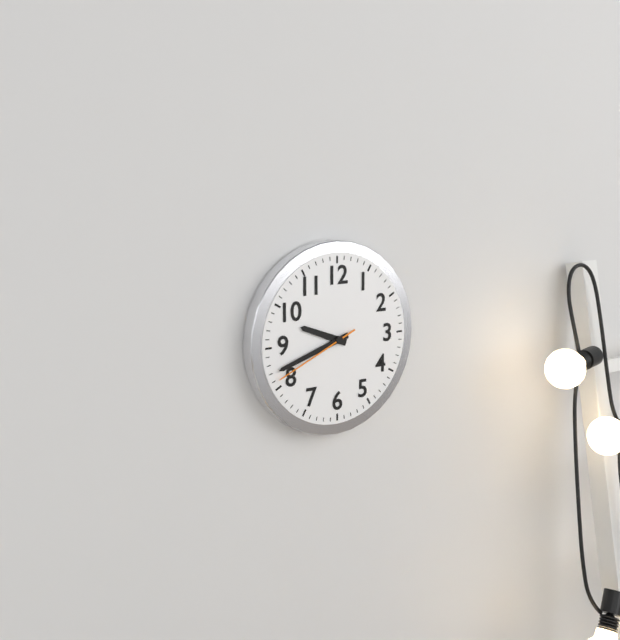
{"hour": 9, "minute": 42, "second": 41}
